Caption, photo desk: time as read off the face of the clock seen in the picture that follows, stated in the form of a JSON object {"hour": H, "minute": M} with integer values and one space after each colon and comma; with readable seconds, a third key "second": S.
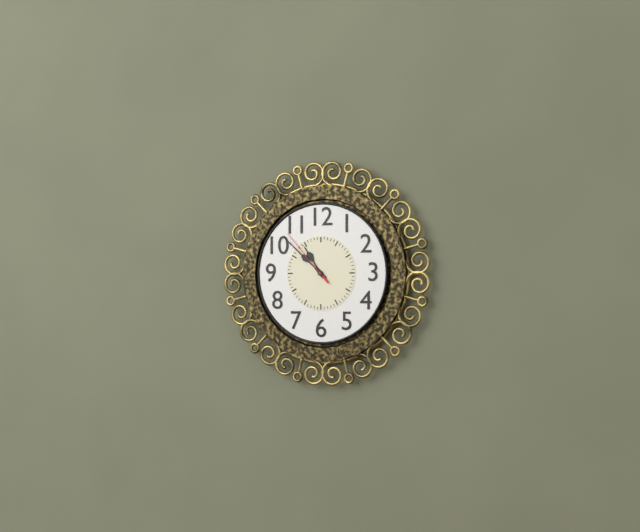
{"hour": 10, "minute": 52, "second": 53}
